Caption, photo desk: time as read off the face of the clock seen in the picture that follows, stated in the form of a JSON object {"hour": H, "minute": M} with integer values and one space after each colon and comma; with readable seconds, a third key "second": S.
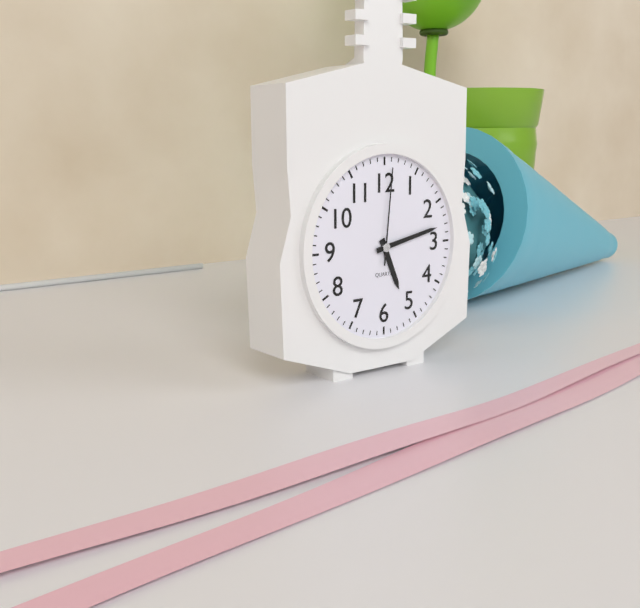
{"hour": 5, "minute": 13, "second": 1}
